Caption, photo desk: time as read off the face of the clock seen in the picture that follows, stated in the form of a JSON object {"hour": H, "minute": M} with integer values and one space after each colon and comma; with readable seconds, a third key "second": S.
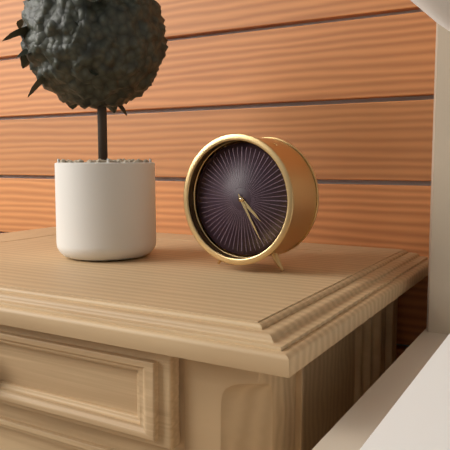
{"hour": 4, "minute": 25}
